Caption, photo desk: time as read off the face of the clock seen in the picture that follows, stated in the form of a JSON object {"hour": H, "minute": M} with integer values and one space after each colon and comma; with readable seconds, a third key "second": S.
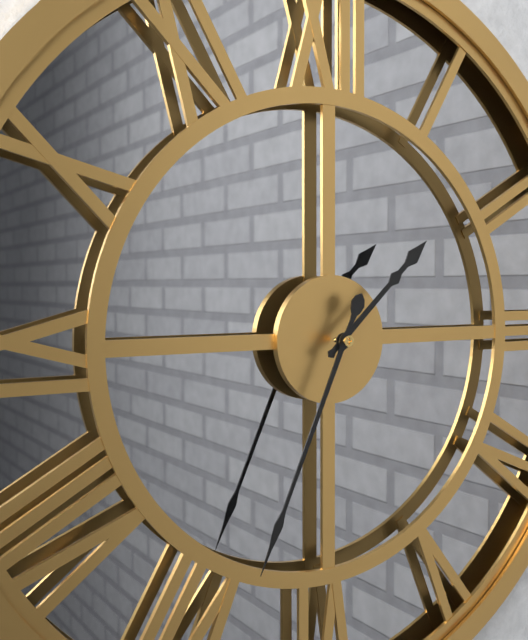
{"hour": 1, "minute": 34}
